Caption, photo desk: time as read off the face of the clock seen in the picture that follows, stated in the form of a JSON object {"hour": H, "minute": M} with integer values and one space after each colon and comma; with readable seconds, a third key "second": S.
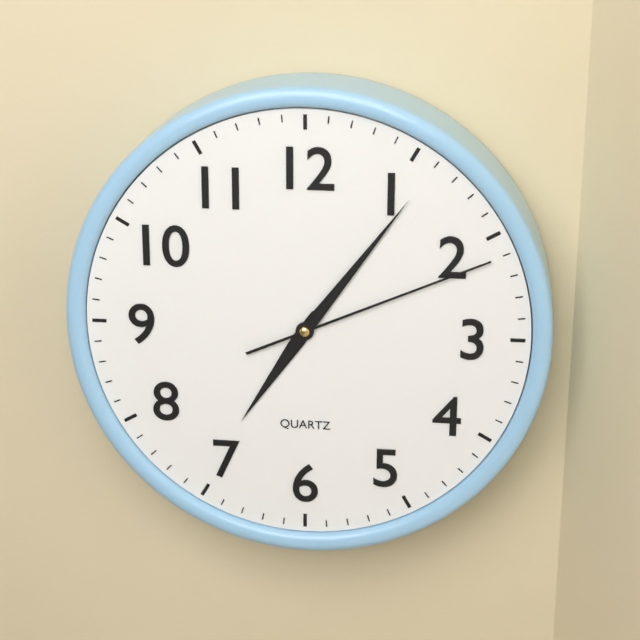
{"hour": 7, "minute": 6, "second": 11}
